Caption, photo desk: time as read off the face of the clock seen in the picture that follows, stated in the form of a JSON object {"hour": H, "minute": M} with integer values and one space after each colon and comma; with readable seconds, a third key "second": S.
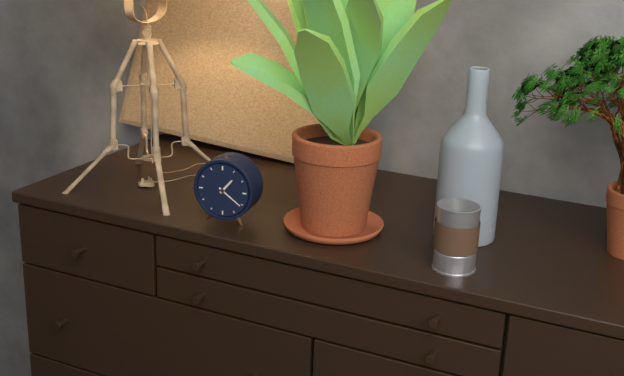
{"hour": 1, "minute": 21}
